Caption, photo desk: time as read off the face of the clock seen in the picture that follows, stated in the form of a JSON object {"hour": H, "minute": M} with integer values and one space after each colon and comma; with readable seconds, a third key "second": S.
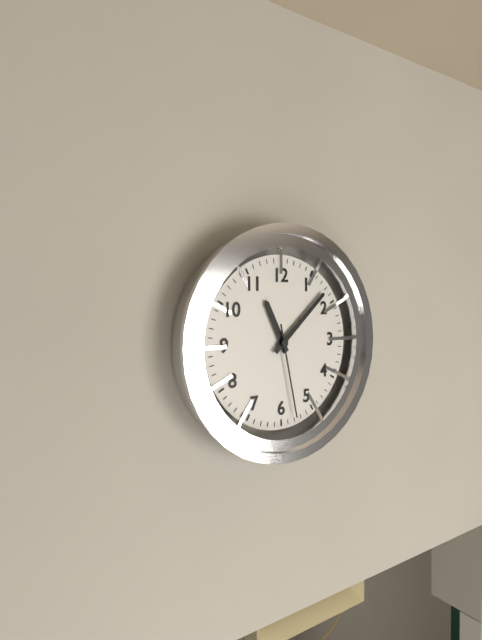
{"hour": 11, "minute": 8, "second": 28}
